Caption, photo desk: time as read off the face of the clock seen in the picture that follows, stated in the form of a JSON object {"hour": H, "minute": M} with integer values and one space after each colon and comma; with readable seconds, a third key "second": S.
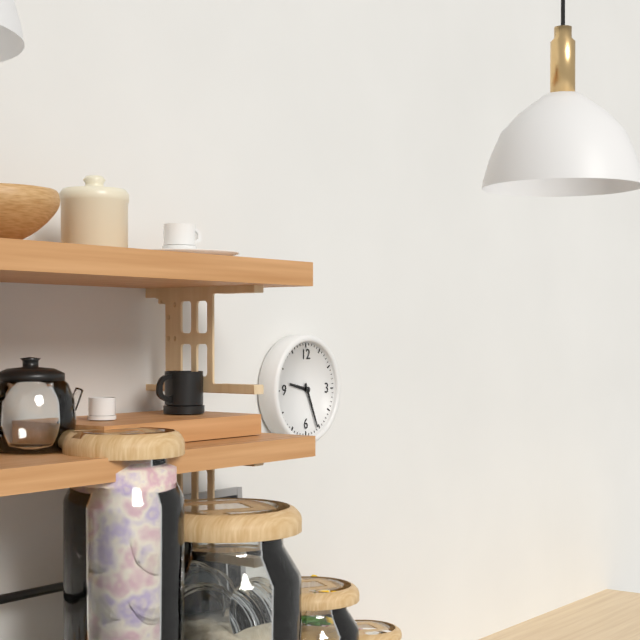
{"hour": 9, "minute": 26}
